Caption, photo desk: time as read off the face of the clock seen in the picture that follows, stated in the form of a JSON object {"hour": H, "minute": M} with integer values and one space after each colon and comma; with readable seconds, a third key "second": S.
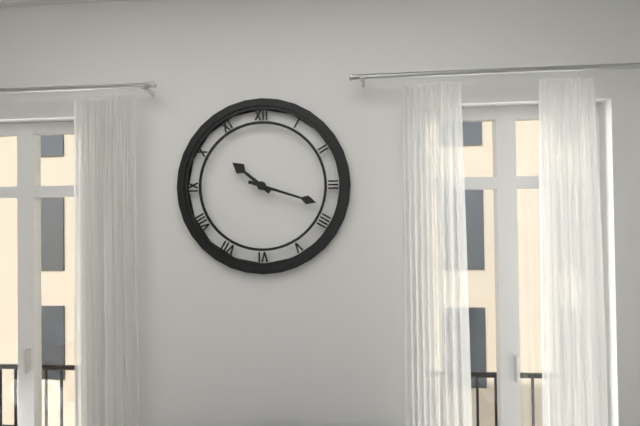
{"hour": 10, "minute": 18}
